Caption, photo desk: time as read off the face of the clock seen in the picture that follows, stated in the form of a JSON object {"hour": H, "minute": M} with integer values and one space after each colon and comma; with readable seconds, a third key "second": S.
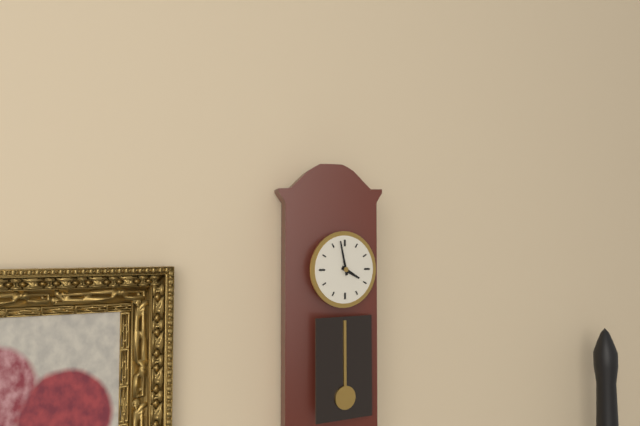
{"hour": 3, "minute": 58}
